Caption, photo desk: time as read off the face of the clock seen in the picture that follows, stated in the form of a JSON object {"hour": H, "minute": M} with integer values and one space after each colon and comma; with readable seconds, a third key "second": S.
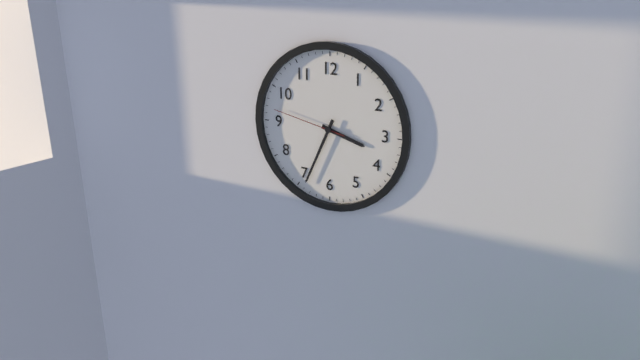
{"hour": 3, "minute": 34, "second": 47}
